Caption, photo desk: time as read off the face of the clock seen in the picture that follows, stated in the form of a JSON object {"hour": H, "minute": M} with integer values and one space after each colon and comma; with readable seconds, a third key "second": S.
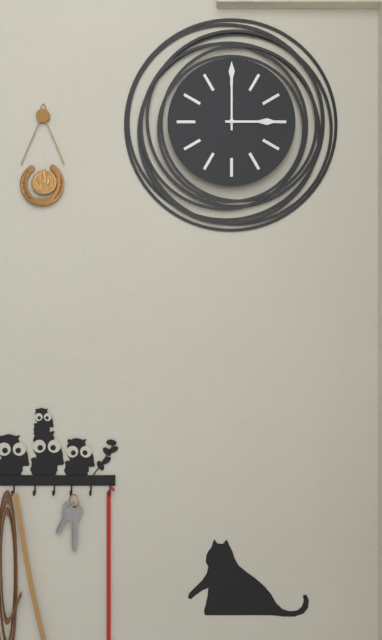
{"hour": 3, "minute": 0}
